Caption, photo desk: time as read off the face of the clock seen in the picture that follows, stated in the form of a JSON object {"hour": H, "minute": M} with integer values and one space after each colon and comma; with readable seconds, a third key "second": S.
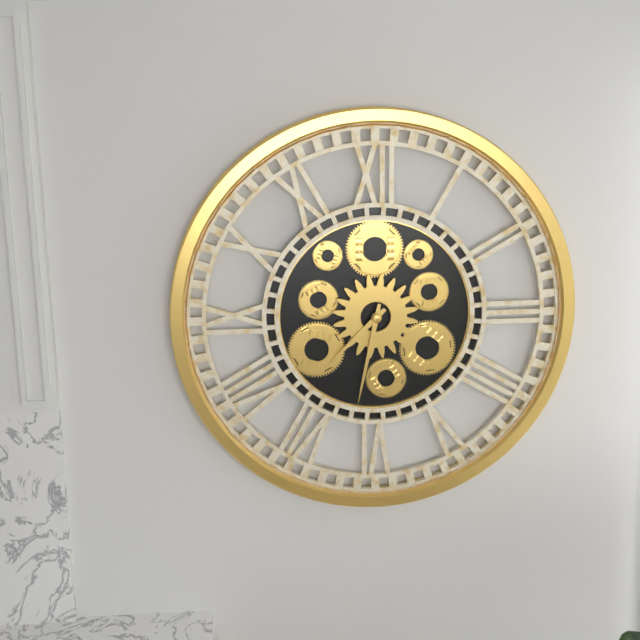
{"hour": 7, "minute": 32}
